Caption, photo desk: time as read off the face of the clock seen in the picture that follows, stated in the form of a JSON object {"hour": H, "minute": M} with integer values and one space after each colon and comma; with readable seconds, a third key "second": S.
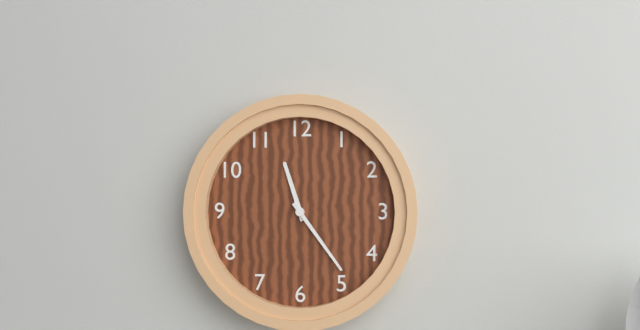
{"hour": 11, "minute": 24}
